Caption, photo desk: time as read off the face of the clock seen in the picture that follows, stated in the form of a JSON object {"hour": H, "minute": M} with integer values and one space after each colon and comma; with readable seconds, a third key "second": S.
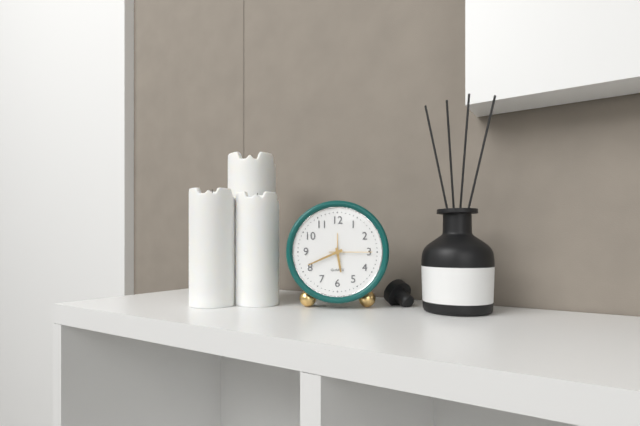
{"hour": 5, "minute": 41}
